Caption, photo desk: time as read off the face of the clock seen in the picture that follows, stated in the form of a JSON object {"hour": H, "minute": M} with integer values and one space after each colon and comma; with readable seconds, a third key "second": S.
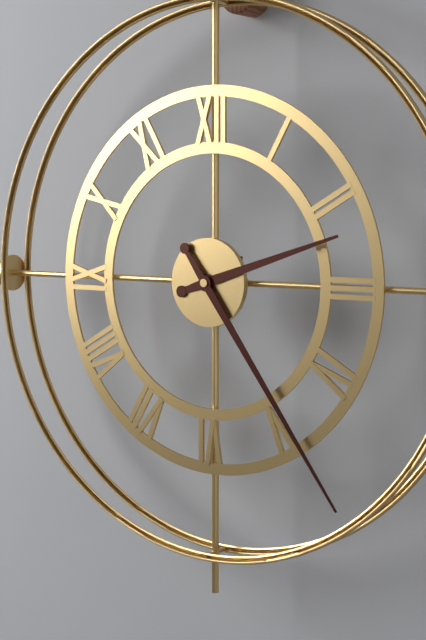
{"hour": 2, "minute": 24}
